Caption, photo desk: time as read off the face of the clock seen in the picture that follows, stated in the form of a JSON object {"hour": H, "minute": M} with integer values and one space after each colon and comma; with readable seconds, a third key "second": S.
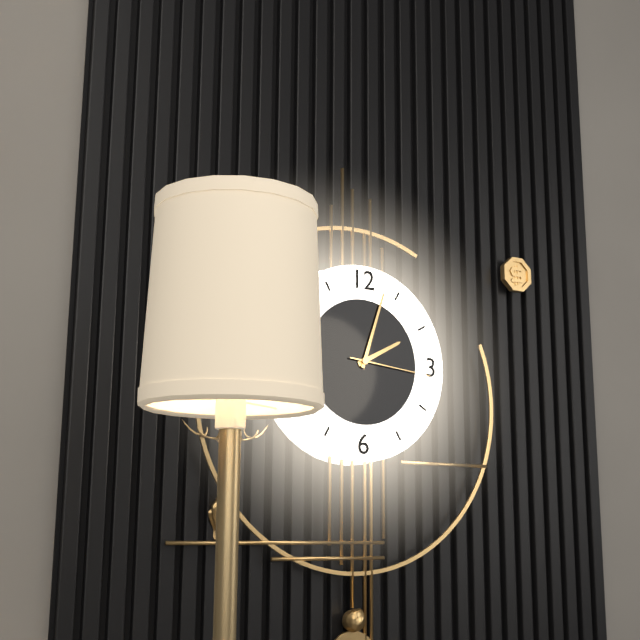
{"hour": 2, "minute": 3, "second": 16}
